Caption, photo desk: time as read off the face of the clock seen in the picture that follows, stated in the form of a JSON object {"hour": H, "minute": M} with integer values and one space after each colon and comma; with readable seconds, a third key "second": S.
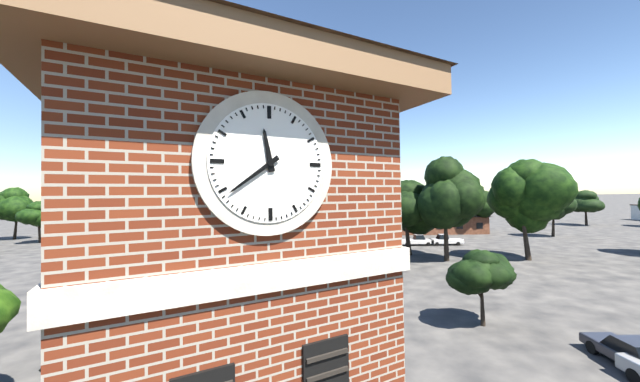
{"hour": 11, "minute": 39}
